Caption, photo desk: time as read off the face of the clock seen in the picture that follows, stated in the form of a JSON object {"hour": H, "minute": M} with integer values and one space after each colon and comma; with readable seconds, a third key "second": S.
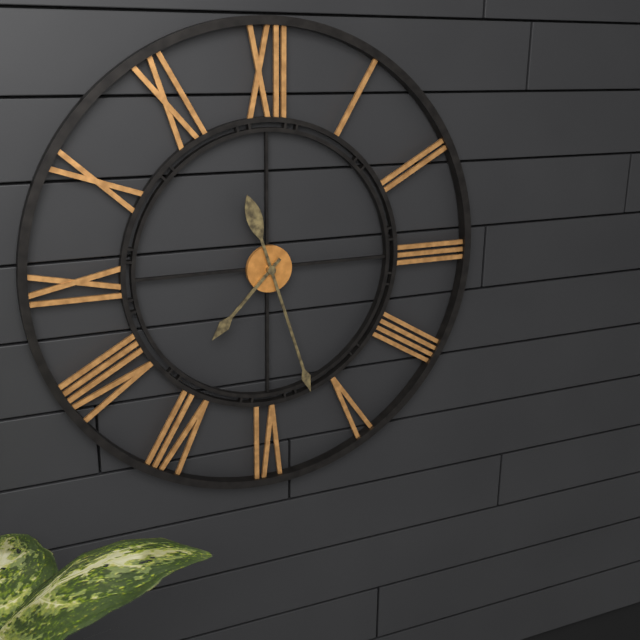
{"hour": 7, "minute": 27}
